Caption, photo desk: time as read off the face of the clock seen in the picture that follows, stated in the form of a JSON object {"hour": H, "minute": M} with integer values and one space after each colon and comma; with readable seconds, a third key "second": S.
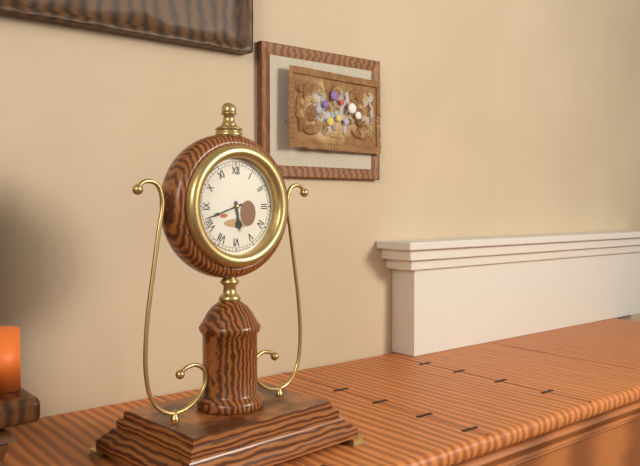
{"hour": 5, "minute": 42}
